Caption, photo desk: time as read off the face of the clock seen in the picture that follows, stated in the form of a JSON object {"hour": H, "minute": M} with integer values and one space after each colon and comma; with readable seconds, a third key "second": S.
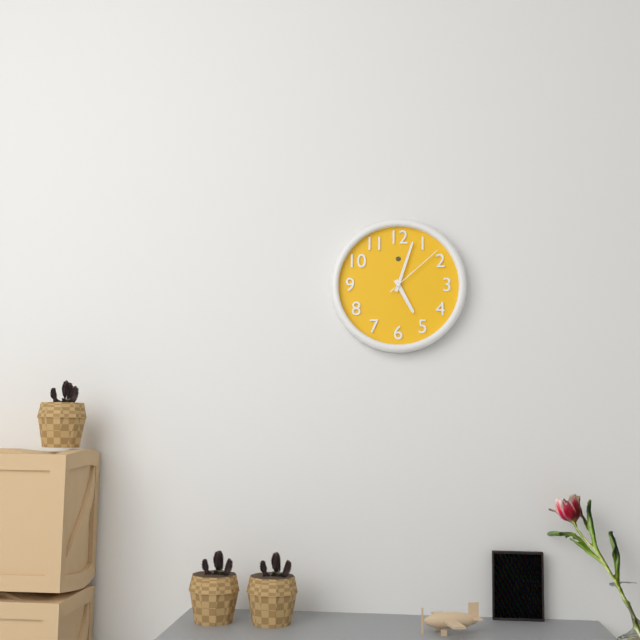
{"hour": 5, "minute": 3, "second": 8}
